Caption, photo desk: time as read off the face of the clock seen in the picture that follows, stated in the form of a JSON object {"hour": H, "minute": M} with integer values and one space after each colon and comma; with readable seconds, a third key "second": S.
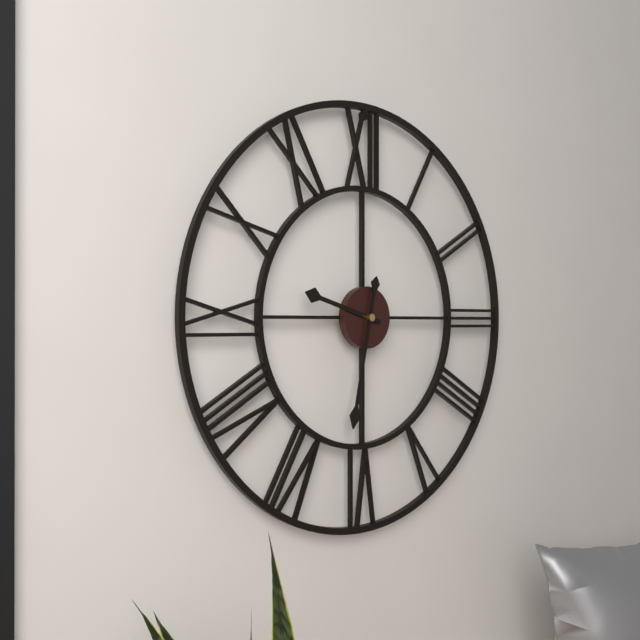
{"hour": 9, "minute": 32}
